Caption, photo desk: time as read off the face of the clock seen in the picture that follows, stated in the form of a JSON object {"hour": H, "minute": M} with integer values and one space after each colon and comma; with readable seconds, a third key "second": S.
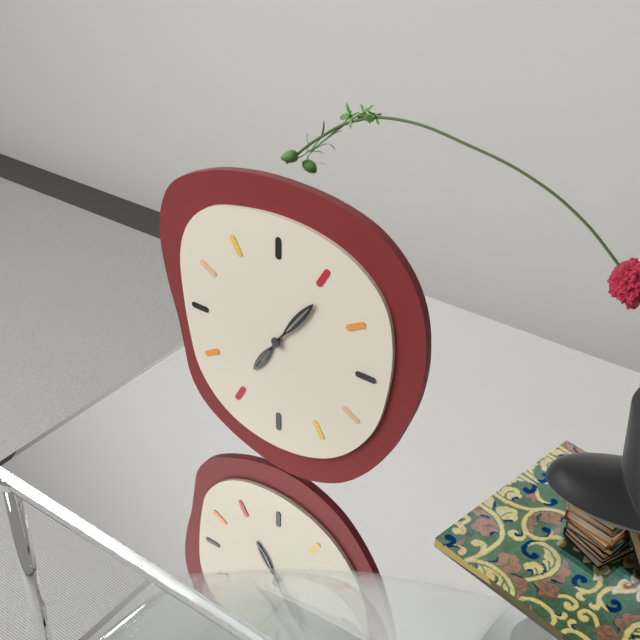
{"hour": 7, "minute": 6}
